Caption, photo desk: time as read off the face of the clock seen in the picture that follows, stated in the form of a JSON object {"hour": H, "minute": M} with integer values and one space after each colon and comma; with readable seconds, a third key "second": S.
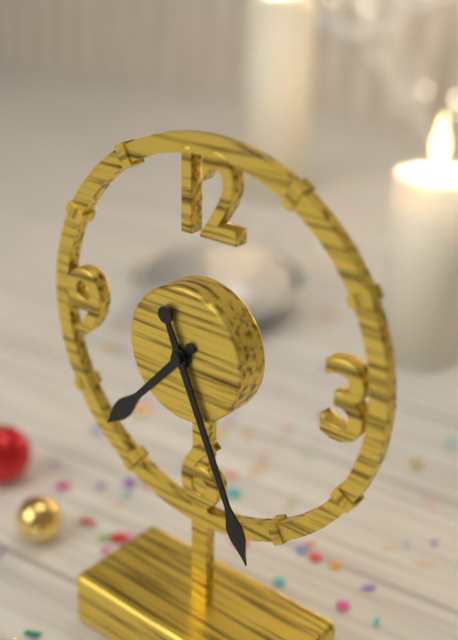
{"hour": 7, "minute": 26}
